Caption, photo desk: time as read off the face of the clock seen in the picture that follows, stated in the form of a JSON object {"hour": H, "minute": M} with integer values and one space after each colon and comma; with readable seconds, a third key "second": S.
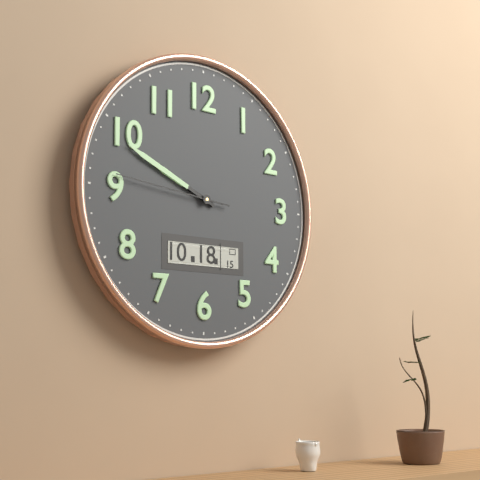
{"hour": 9, "minute": 49, "second": 46}
